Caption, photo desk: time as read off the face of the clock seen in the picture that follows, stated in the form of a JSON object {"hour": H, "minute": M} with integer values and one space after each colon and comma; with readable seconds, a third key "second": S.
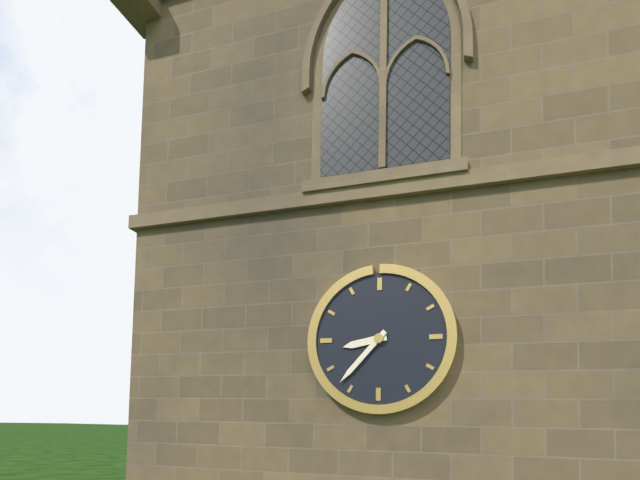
{"hour": 8, "minute": 37}
